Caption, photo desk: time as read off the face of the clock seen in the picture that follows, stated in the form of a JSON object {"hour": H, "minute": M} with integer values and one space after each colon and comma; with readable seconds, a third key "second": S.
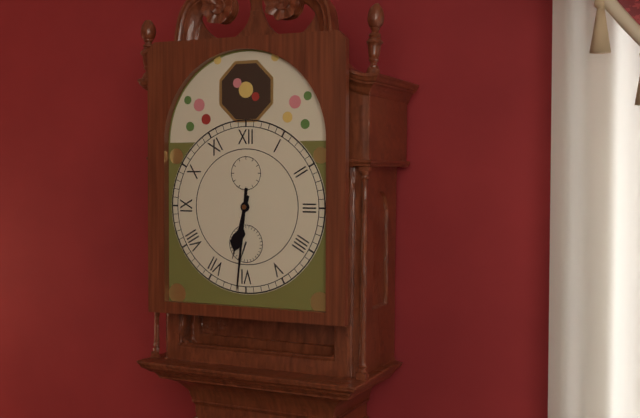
{"hour": 6, "minute": 31}
